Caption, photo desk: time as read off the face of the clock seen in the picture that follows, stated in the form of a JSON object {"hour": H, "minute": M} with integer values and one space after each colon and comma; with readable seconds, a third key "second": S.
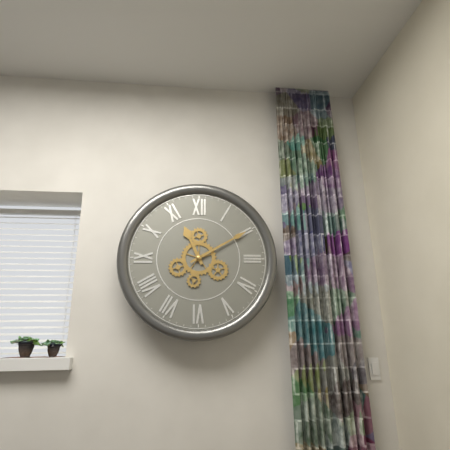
{"hour": 11, "minute": 10}
